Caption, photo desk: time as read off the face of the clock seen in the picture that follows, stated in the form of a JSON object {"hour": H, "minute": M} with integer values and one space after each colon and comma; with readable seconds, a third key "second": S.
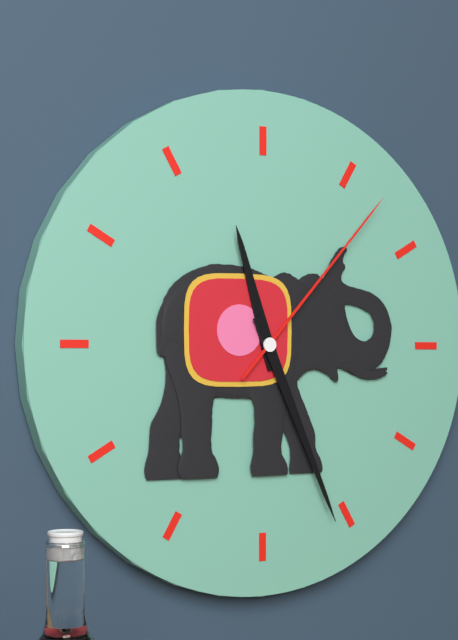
{"hour": 11, "minute": 26, "second": 7}
